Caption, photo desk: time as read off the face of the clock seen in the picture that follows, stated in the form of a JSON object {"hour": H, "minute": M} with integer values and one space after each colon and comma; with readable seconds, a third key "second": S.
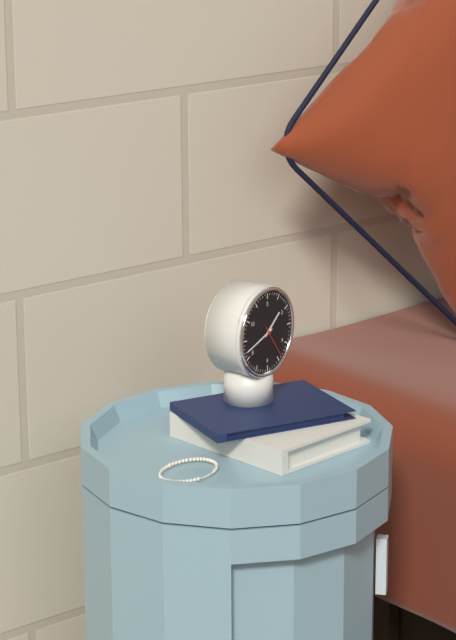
{"hour": 1, "minute": 42}
